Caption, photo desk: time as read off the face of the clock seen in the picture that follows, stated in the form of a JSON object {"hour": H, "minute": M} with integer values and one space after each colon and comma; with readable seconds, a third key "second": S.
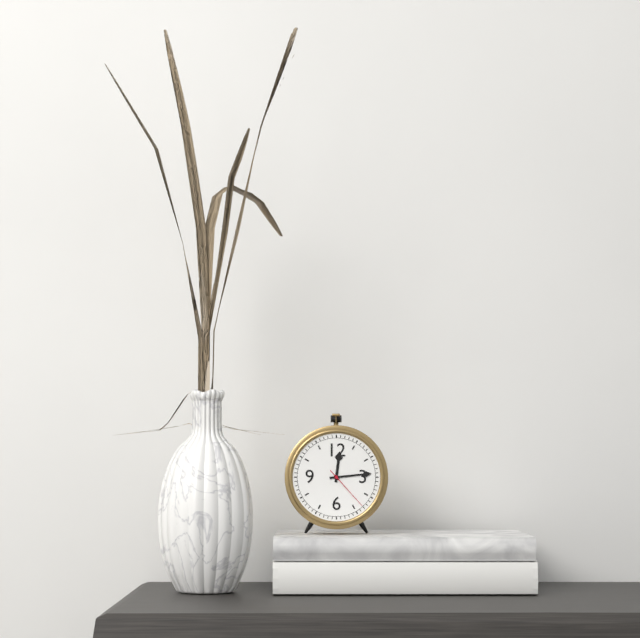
{"hour": 12, "minute": 14}
